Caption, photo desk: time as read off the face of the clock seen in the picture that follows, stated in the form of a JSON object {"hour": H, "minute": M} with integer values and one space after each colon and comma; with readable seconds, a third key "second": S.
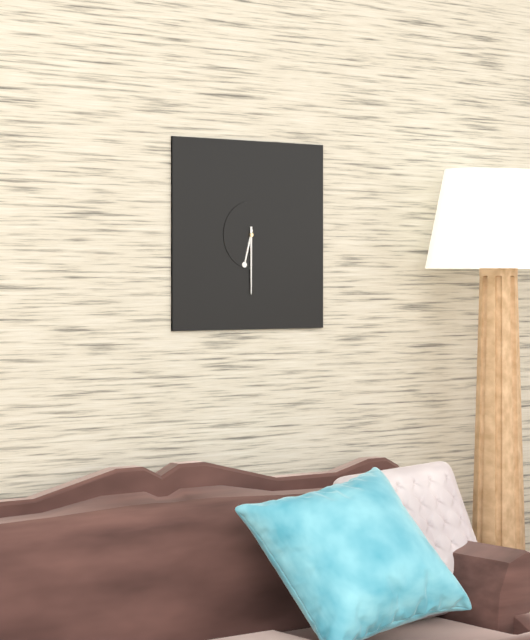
{"hour": 6, "minute": 30}
